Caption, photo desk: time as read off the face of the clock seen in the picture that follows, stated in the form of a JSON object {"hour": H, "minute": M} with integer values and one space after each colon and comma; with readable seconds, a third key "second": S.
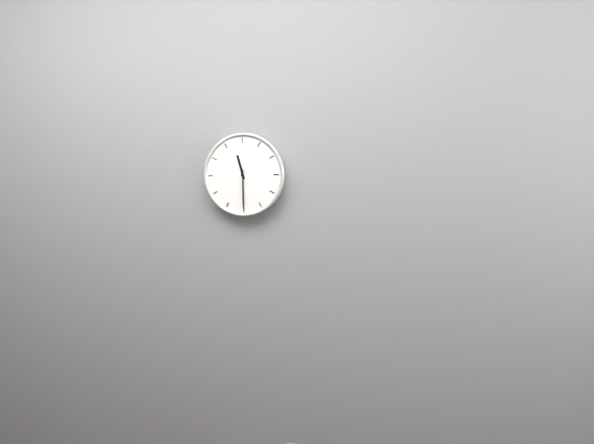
{"hour": 11, "minute": 30}
